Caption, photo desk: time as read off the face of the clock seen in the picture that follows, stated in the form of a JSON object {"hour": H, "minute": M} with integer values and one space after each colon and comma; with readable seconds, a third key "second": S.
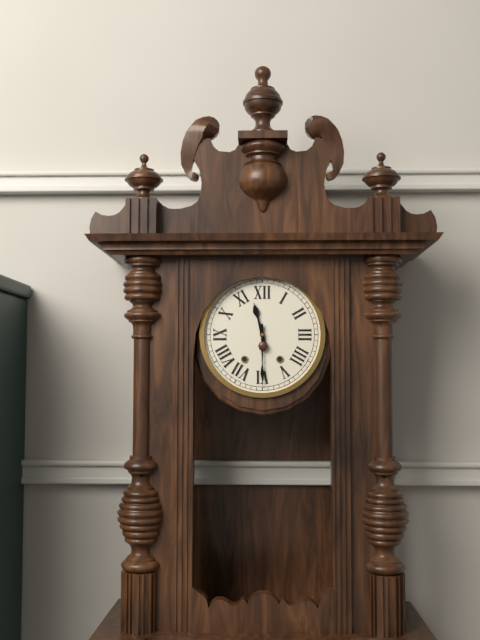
{"hour": 11, "minute": 30}
